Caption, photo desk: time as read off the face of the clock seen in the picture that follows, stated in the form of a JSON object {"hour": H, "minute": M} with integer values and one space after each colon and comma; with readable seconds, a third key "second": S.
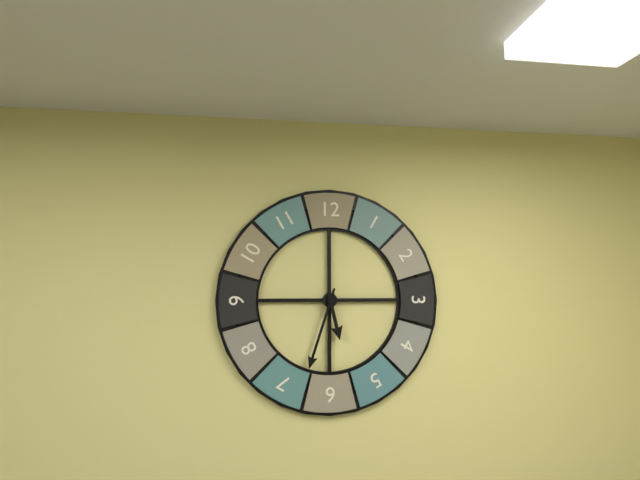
{"hour": 5, "minute": 33}
